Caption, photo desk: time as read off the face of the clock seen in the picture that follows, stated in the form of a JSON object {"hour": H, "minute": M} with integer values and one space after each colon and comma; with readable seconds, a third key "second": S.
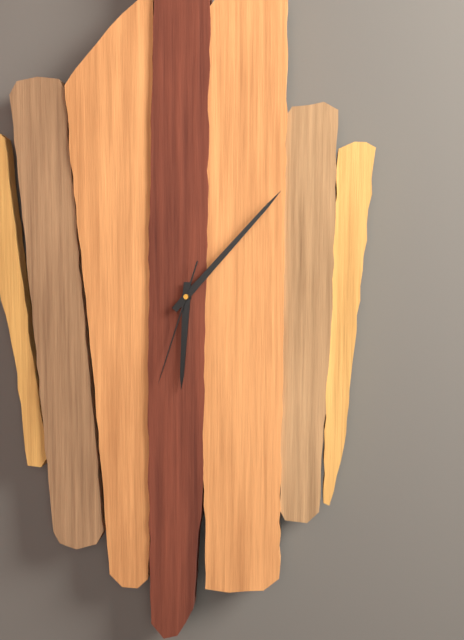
{"hour": 6, "minute": 7, "second": 33}
